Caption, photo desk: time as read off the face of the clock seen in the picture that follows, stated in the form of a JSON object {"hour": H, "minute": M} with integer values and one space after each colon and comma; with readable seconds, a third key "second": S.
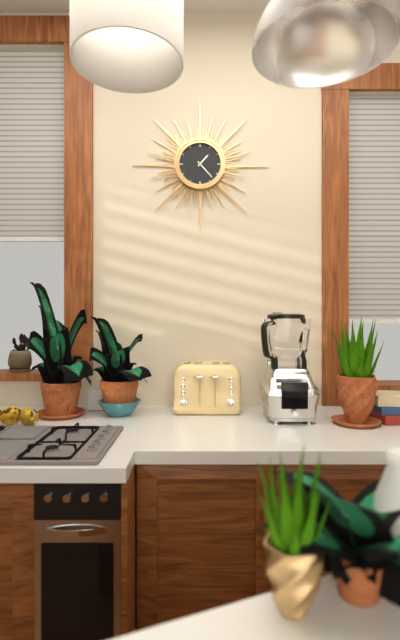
{"hour": 1, "minute": 23}
